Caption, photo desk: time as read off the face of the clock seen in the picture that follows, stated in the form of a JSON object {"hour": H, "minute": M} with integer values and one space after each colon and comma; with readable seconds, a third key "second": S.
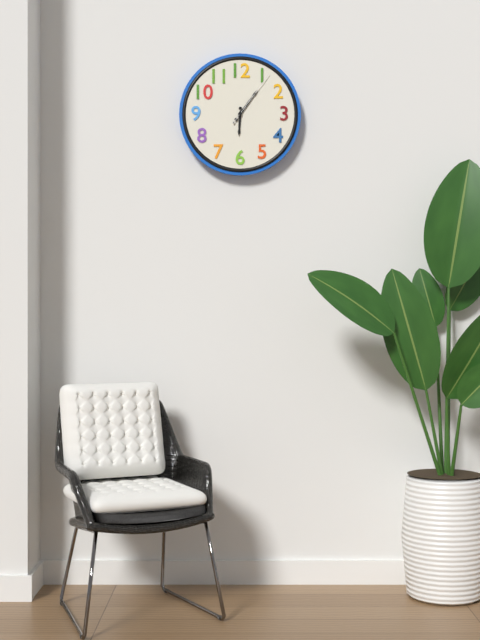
{"hour": 6, "minute": 6, "second": 6}
